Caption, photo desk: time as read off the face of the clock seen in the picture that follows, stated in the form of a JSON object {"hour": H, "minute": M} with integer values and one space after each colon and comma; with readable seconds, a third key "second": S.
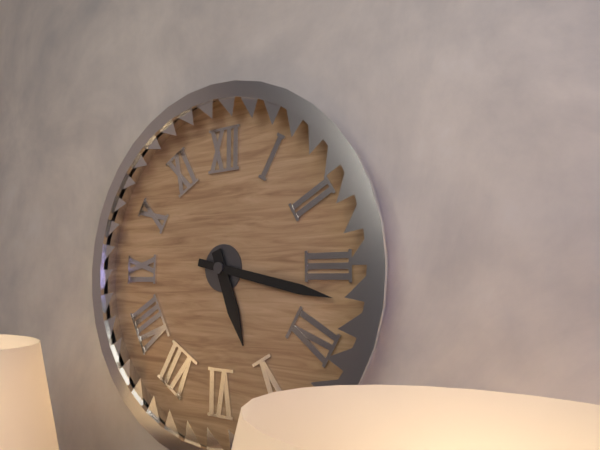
{"hour": 5, "minute": 17}
